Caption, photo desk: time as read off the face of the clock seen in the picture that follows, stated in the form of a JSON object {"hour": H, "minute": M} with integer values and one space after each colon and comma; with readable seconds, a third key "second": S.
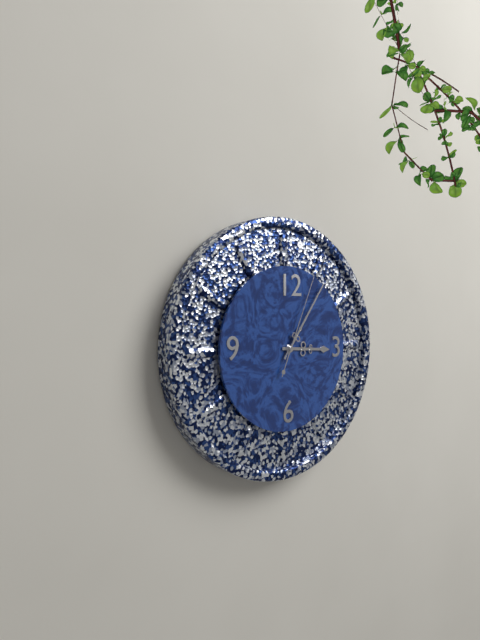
{"hour": 3, "minute": 6, "second": 4}
